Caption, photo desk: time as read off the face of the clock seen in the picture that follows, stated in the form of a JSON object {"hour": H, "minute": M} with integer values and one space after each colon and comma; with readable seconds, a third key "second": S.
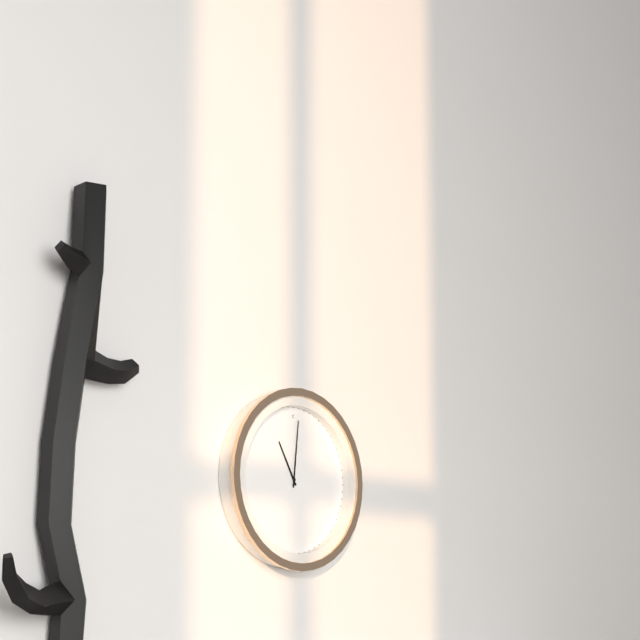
{"hour": 11, "minute": 1}
